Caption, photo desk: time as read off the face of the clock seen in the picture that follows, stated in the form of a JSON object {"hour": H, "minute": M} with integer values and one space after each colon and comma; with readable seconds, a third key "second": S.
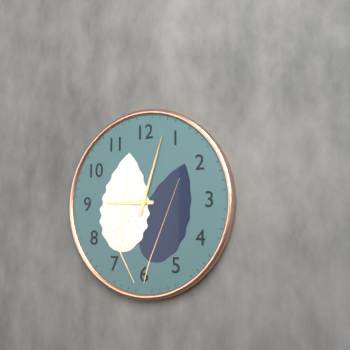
{"hour": 9, "minute": 3}
